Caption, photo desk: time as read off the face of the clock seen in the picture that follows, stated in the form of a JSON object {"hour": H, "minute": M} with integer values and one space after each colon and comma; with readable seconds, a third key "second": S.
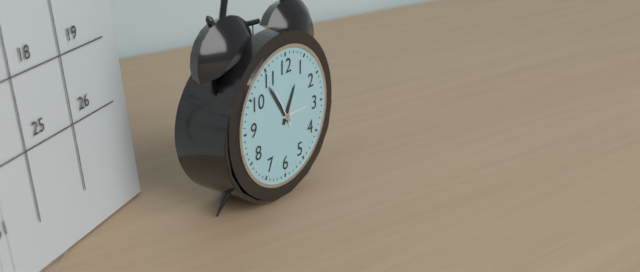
{"hour": 12, "minute": 54}
